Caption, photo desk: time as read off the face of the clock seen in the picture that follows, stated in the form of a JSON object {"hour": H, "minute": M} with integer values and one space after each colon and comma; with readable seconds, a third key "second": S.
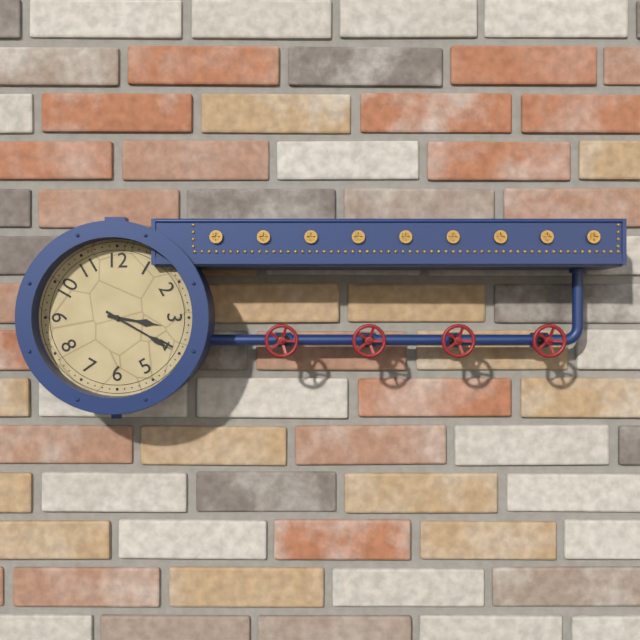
{"hour": 3, "minute": 20}
